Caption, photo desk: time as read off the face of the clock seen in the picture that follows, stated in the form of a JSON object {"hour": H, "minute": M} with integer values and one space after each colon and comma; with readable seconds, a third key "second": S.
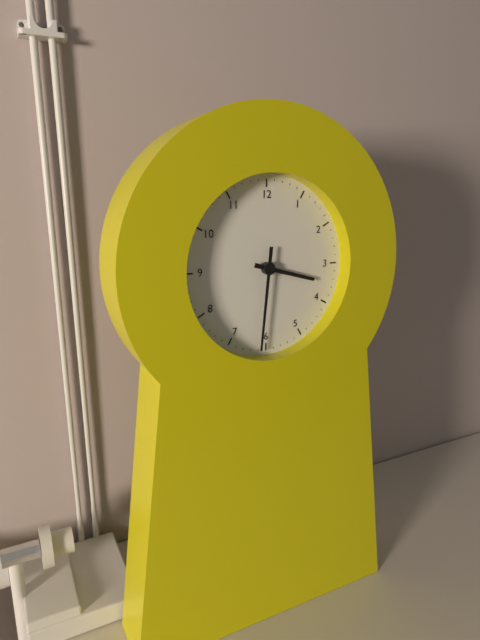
{"hour": 3, "minute": 31}
